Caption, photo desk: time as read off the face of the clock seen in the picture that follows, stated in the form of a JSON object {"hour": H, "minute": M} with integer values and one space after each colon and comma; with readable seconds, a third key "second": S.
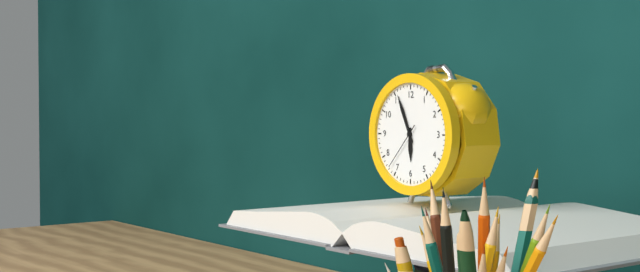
{"hour": 5, "minute": 56}
